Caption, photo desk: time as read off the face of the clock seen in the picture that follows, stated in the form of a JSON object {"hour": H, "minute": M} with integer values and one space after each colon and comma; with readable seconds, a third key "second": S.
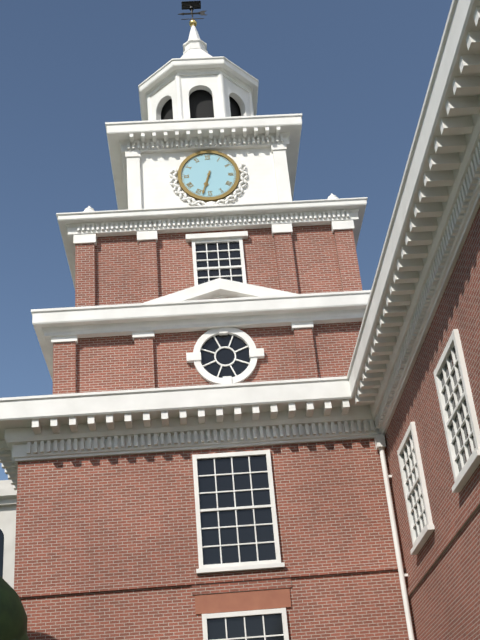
{"hour": 6, "minute": 33}
